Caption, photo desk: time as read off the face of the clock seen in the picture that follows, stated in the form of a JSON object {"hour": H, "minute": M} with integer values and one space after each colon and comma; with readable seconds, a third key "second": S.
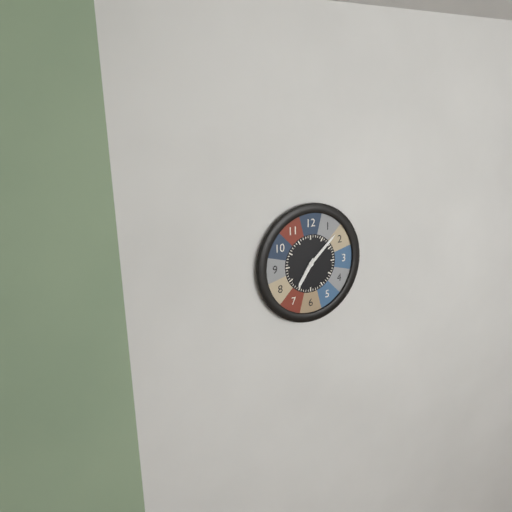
{"hour": 7, "minute": 8}
